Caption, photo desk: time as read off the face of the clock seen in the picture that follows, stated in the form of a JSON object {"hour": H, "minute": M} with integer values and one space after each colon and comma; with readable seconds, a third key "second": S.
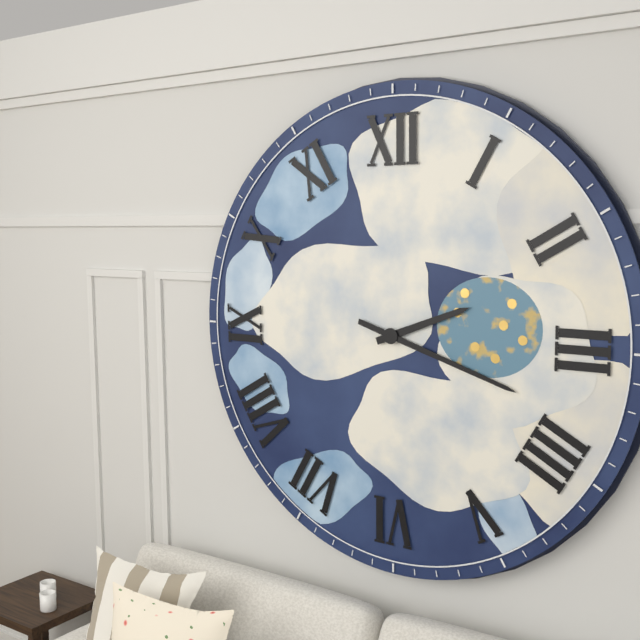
{"hour": 2, "minute": 18}
